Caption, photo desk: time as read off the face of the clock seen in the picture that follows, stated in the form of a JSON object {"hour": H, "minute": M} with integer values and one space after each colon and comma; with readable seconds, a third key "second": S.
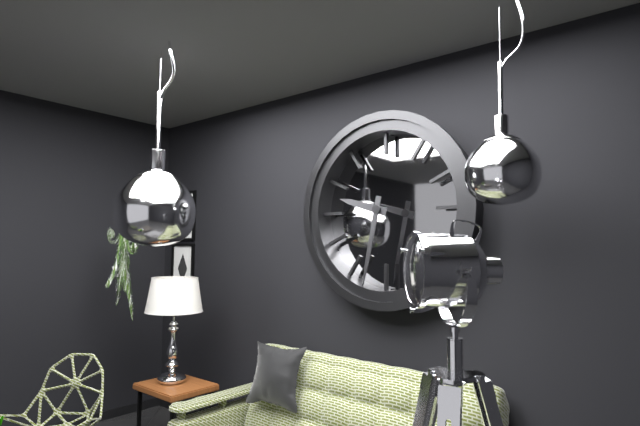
{"hour": 9, "minute": 32}
